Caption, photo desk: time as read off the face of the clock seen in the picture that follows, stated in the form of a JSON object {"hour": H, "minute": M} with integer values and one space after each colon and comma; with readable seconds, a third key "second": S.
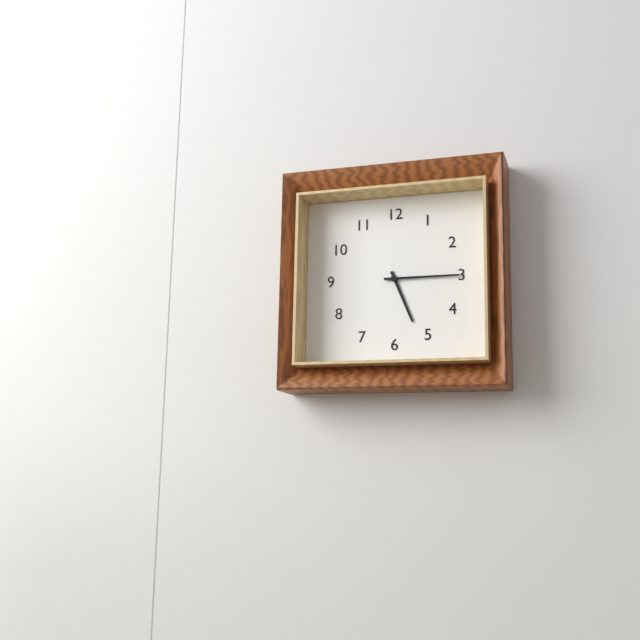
{"hour": 5, "minute": 15}
